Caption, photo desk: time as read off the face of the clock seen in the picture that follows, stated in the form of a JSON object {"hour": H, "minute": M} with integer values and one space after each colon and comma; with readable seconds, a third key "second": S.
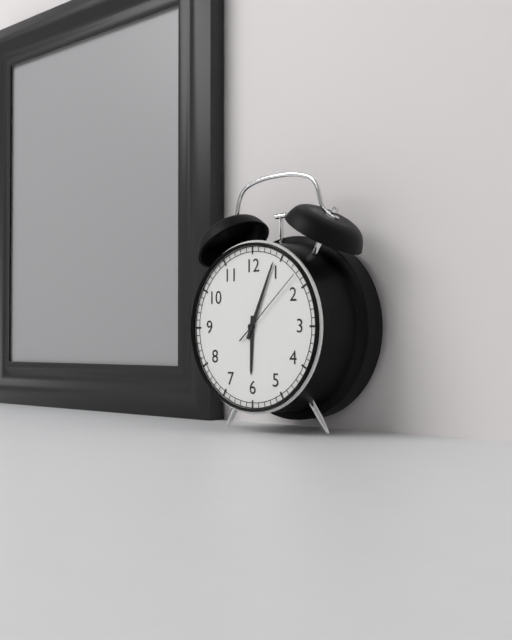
{"hour": 6, "minute": 4, "second": 8}
